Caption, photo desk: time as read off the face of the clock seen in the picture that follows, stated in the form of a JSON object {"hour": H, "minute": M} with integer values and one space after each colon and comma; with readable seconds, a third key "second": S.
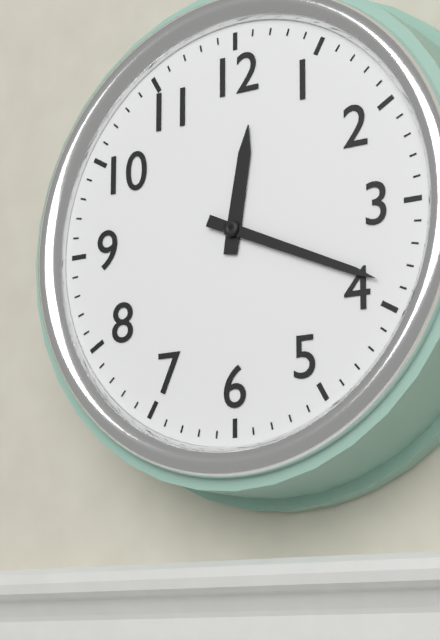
{"hour": 12, "minute": 19}
